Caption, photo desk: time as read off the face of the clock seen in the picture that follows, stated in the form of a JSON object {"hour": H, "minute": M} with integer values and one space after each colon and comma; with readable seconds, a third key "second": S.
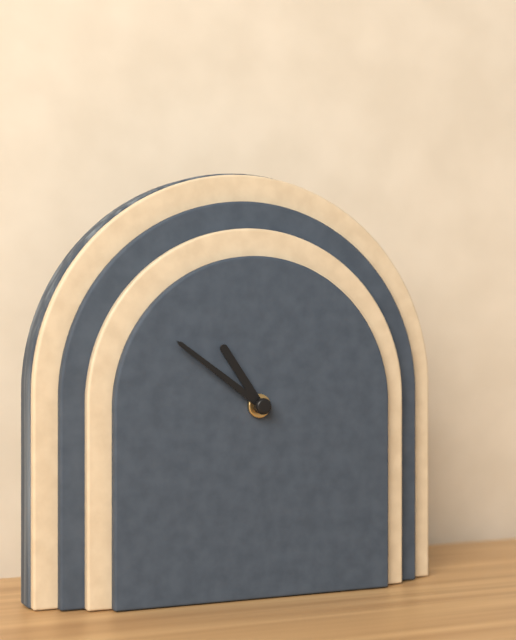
{"hour": 10, "minute": 51}
